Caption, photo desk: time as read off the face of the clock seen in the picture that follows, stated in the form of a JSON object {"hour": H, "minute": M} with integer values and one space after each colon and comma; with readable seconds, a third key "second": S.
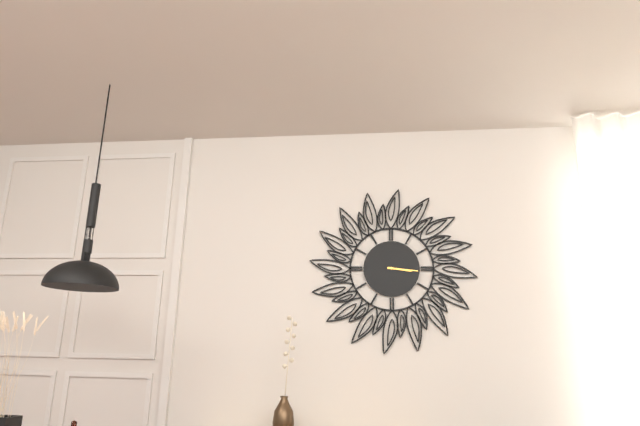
{"hour": 3, "minute": 16}
